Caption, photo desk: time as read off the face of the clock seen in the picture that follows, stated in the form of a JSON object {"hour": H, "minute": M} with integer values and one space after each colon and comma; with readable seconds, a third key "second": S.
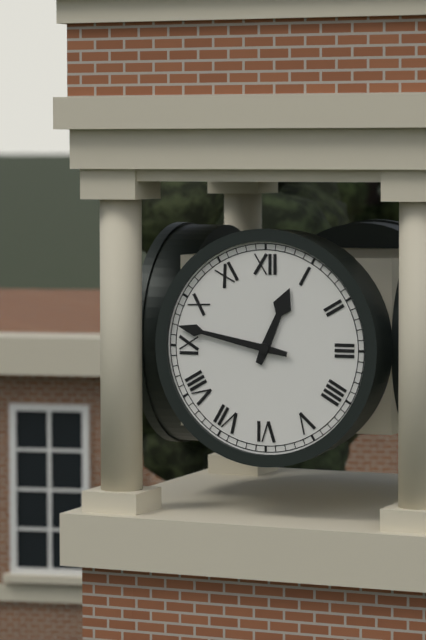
{"hour": 12, "minute": 47}
